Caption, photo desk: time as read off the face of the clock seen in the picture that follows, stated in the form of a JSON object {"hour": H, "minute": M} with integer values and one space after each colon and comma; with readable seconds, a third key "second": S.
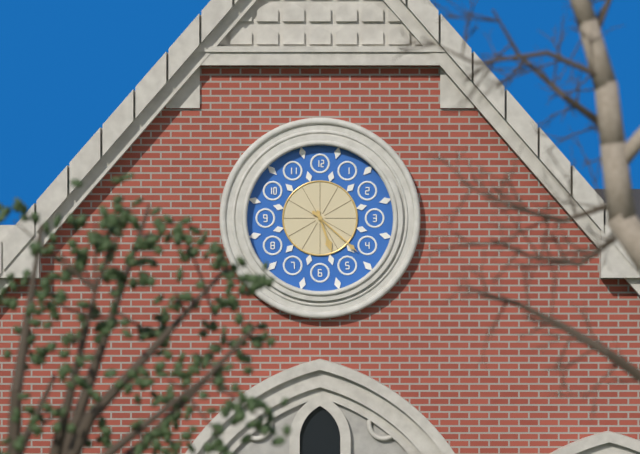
{"hour": 5, "minute": 22}
